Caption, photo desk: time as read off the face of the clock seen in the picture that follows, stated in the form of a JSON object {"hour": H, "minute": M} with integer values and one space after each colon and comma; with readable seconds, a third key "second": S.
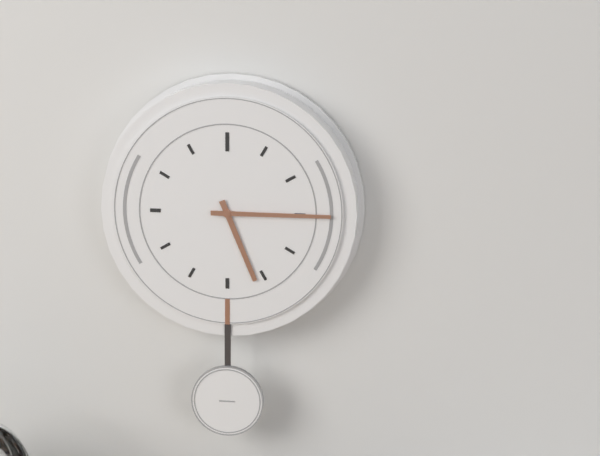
{"hour": 5, "minute": 15}
